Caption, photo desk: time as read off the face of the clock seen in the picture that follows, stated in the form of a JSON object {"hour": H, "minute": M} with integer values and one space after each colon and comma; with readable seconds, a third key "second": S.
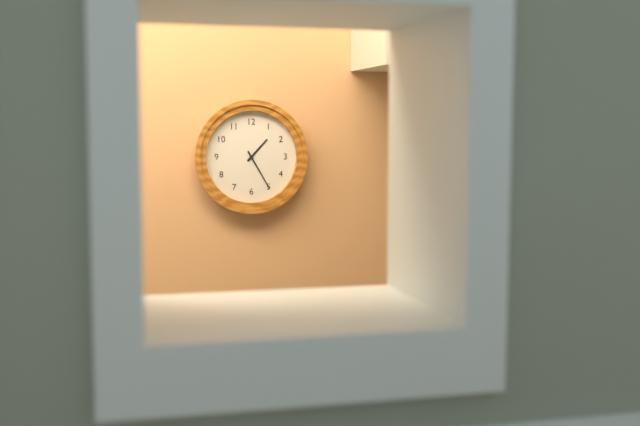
{"hour": 1, "minute": 25}
